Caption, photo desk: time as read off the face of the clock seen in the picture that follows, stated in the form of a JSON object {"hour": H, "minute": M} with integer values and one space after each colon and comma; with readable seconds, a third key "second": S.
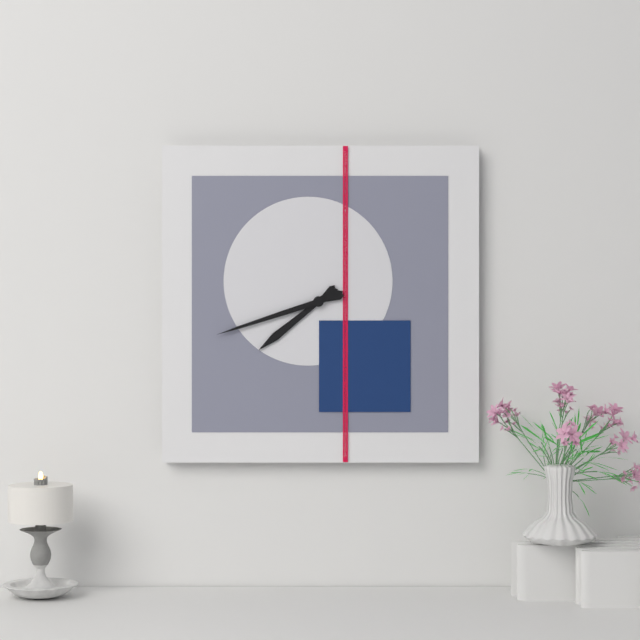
{"hour": 7, "minute": 42}
